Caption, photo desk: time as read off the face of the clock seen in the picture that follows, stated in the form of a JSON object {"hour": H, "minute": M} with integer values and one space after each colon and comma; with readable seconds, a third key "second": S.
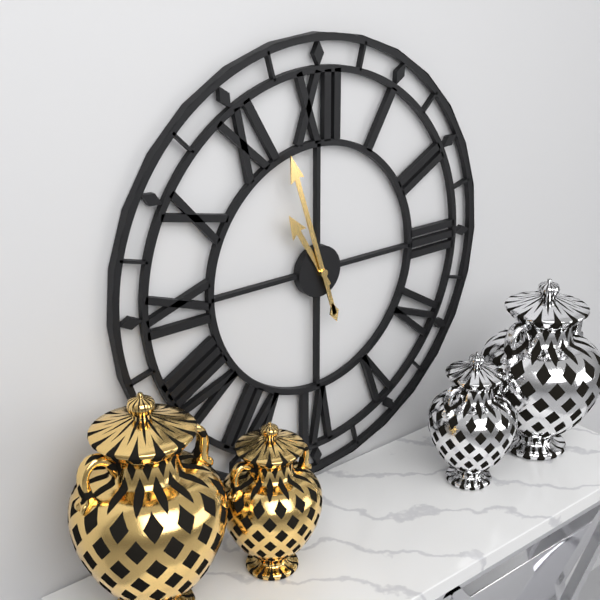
{"hour": 10, "minute": 57}
